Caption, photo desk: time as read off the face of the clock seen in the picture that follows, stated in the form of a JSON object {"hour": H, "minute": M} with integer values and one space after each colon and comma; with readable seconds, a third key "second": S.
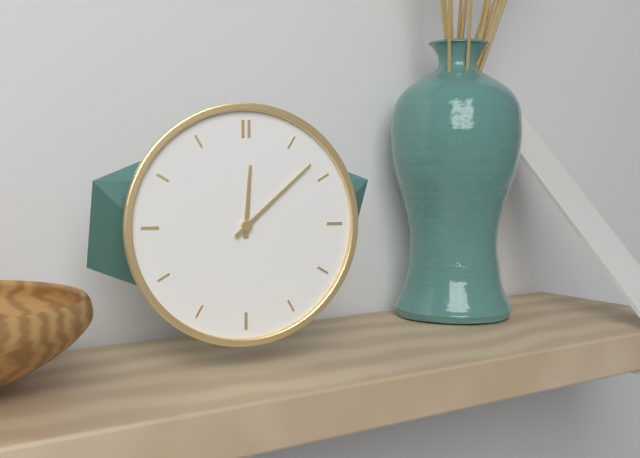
{"hour": 12, "minute": 8}
